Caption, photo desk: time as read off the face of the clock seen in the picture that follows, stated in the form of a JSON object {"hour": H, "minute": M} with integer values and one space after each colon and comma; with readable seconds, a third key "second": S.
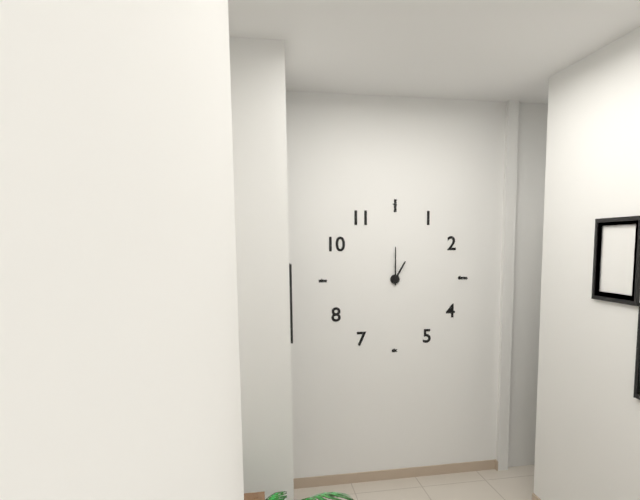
{"hour": 1, "minute": 0}
